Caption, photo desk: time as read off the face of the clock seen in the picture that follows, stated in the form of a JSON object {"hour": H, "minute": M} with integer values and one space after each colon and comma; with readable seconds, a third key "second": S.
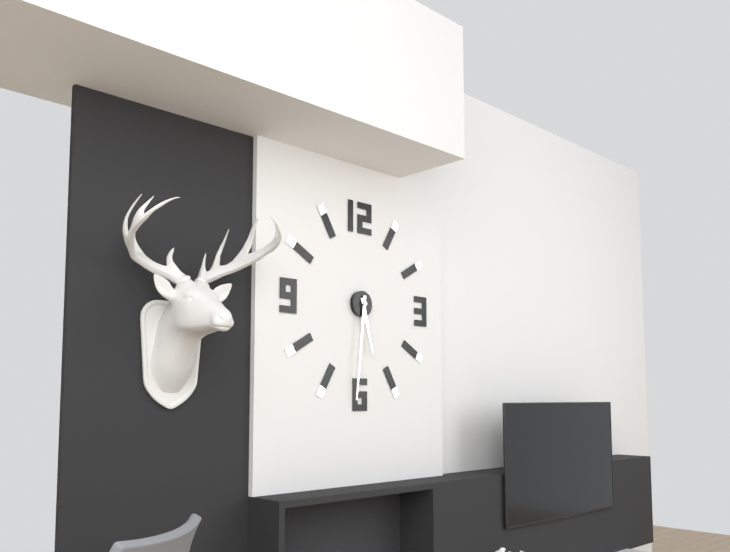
{"hour": 5, "minute": 31}
